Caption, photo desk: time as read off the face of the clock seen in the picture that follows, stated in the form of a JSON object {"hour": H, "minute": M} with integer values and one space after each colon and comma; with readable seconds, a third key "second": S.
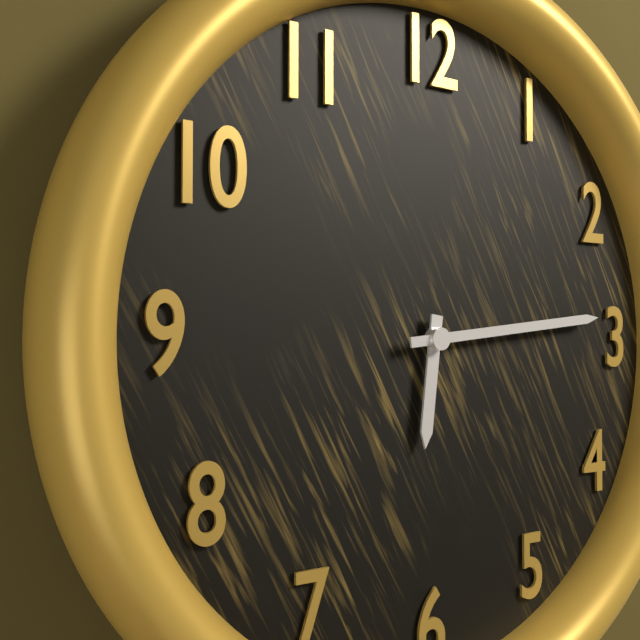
{"hour": 6, "minute": 14}
